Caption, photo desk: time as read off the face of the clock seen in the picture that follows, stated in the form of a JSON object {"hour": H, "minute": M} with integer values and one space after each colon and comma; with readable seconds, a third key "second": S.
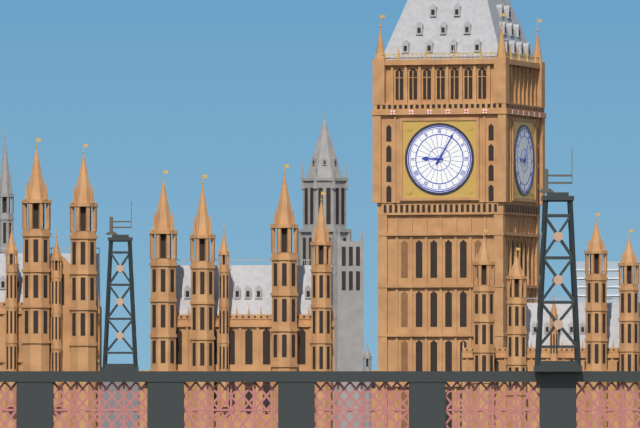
{"hour": 9, "minute": 5}
